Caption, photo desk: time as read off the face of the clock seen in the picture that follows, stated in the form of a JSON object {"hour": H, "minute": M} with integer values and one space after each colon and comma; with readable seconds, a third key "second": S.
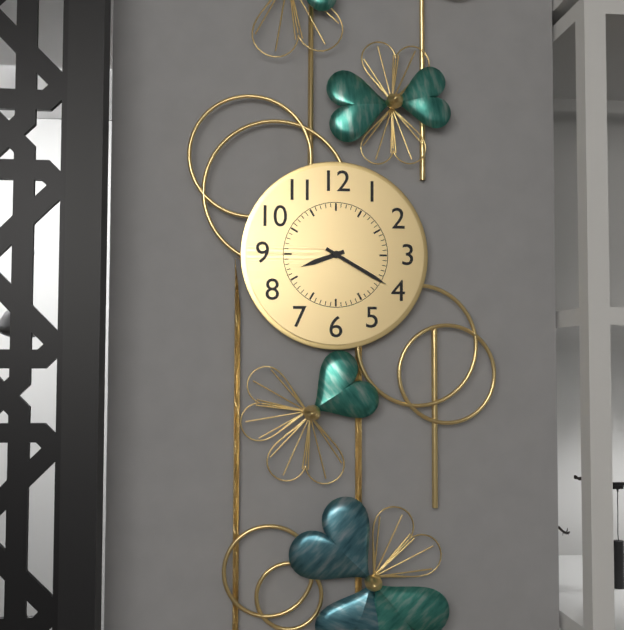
{"hour": 8, "minute": 20}
